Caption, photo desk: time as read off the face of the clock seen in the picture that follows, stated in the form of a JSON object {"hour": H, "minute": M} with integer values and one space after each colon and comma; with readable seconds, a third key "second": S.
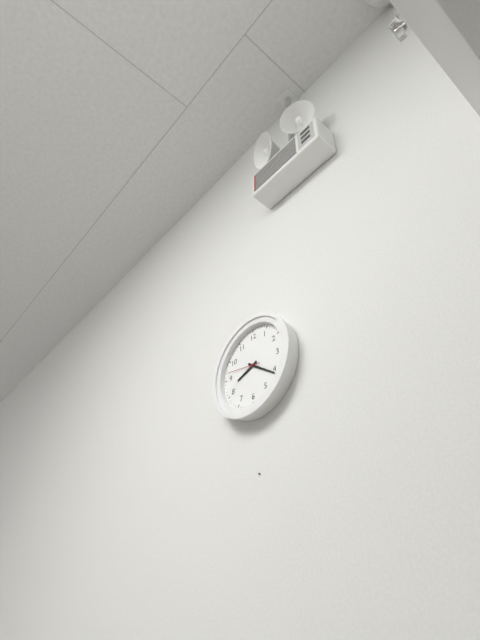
{"hour": 8, "minute": 21}
